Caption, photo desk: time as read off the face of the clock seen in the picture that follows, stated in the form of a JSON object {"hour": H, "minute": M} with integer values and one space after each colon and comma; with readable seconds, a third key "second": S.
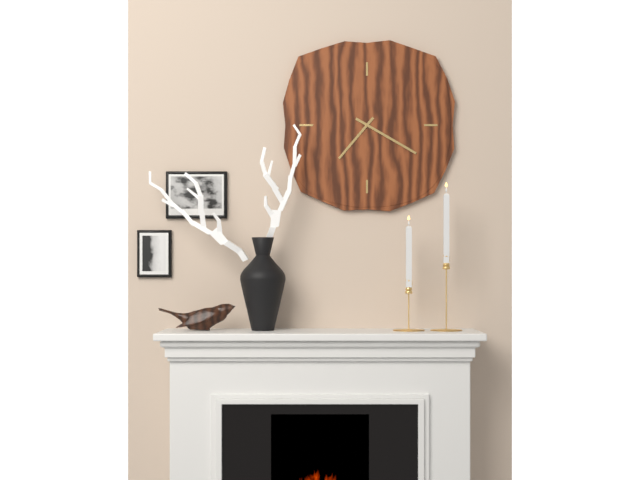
{"hour": 7, "minute": 20}
